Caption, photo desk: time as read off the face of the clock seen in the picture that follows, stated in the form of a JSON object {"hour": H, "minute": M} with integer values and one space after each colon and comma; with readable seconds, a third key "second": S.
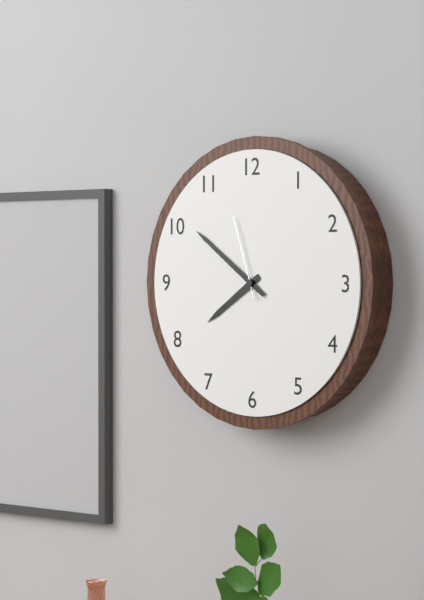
{"hour": 7, "minute": 51, "second": 57}
